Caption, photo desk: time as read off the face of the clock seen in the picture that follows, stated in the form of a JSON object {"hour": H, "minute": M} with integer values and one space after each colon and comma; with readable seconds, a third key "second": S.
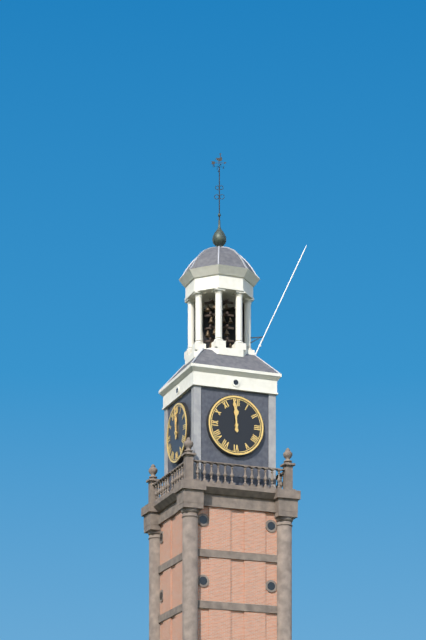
{"hour": 11, "minute": 59}
